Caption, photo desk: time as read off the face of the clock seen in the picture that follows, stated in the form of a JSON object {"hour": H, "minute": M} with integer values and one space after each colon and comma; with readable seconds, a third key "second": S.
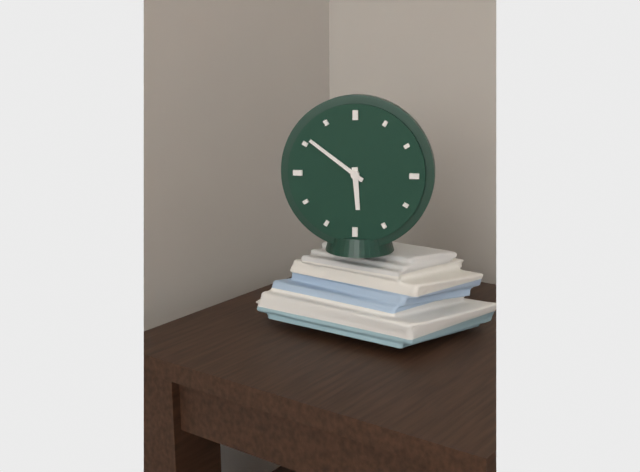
{"hour": 5, "minute": 51}
